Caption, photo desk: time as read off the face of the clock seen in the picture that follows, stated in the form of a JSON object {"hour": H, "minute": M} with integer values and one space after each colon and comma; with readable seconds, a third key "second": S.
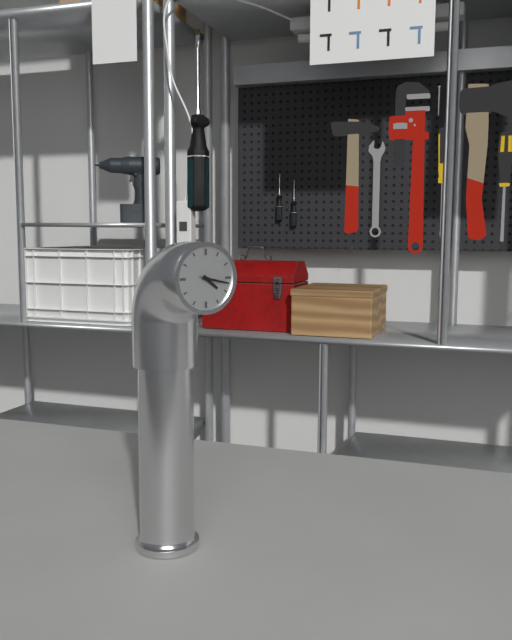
{"hour": 4, "minute": 17}
